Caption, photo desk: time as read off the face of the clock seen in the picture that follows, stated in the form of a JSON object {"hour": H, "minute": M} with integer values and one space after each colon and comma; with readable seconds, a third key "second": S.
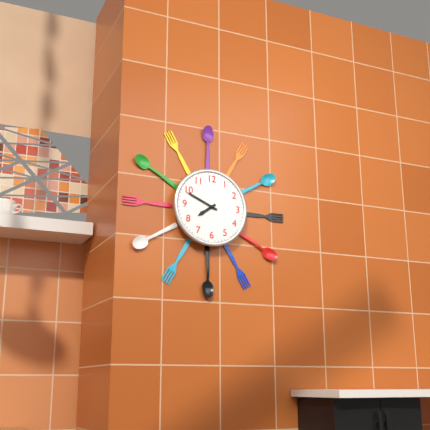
{"hour": 7, "minute": 49}
